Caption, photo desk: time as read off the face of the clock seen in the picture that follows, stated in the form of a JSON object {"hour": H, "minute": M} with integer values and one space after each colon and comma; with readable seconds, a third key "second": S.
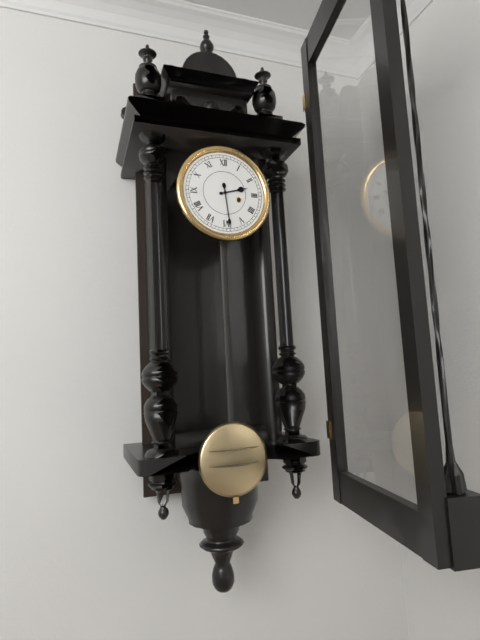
{"hour": 2, "minute": 29}
